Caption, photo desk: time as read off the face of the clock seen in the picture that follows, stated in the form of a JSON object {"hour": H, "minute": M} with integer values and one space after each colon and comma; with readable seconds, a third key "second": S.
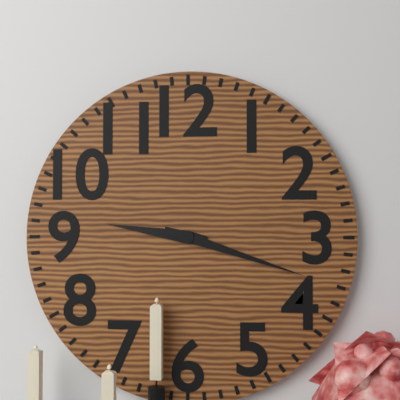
{"hour": 9, "minute": 18}
